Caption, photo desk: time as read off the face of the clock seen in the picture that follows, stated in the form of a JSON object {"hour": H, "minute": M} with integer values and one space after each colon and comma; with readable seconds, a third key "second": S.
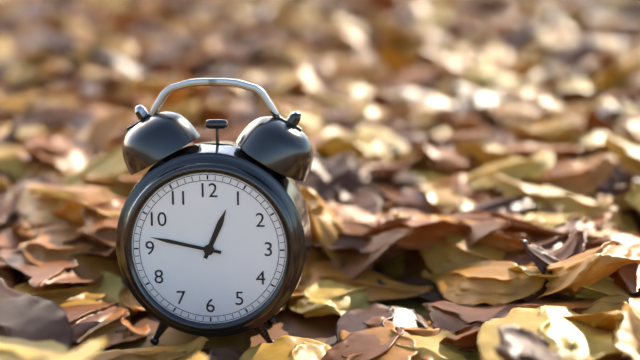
{"hour": 12, "minute": 47}
